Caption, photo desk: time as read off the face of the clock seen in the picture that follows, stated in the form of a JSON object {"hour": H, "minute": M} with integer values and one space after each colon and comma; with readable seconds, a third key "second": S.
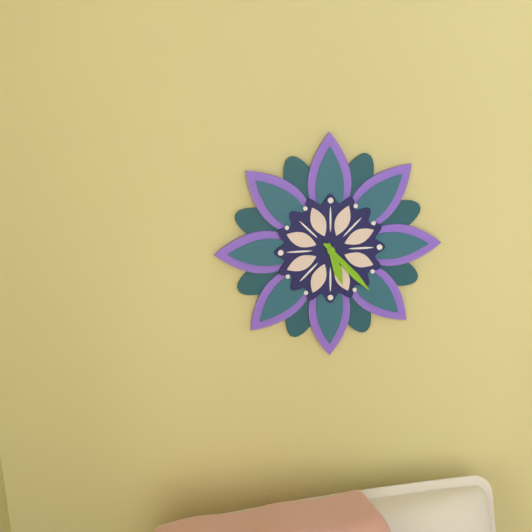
{"hour": 5, "minute": 23}
